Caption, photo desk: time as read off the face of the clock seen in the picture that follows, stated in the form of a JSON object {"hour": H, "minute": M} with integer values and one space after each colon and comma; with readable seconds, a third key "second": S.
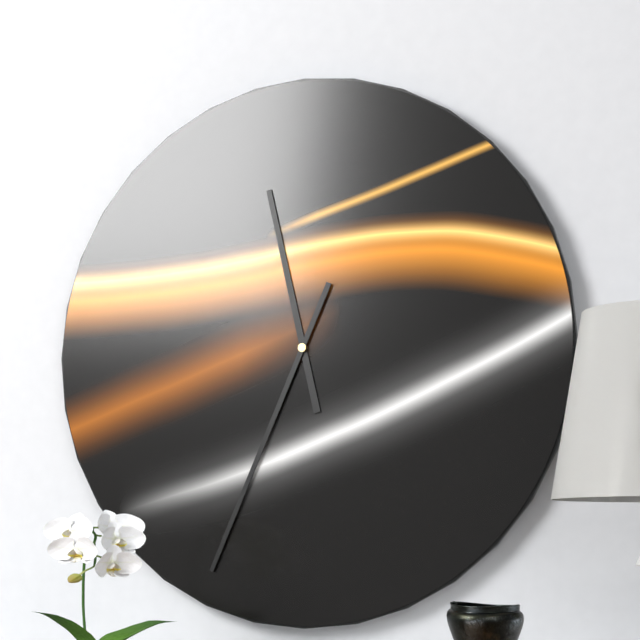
{"hour": 11, "minute": 34}
